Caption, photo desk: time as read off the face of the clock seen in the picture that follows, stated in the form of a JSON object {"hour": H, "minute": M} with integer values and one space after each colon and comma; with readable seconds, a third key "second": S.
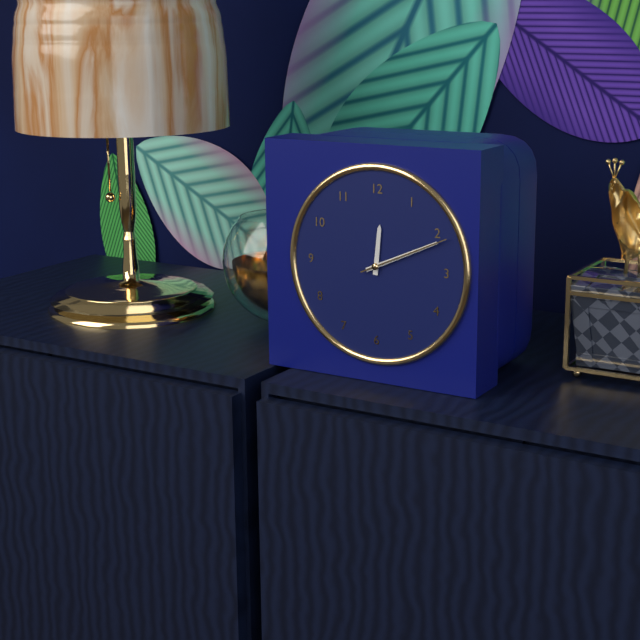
{"hour": 12, "minute": 11, "second": 11}
